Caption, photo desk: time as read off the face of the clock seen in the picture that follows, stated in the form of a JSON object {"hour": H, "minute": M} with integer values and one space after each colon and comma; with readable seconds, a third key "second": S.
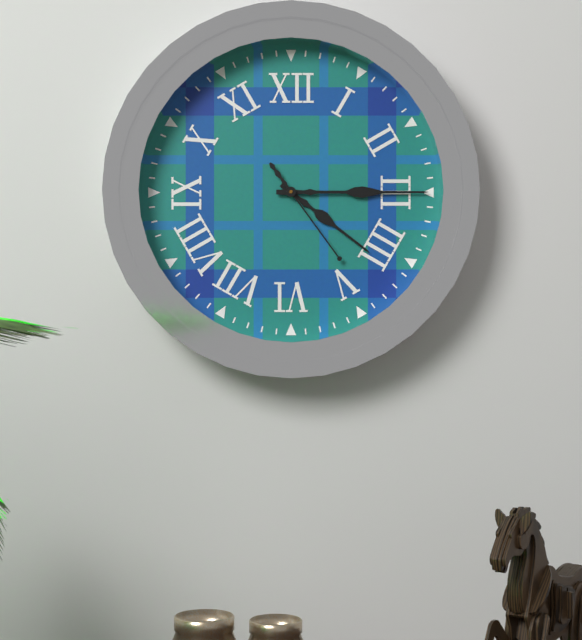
{"hour": 4, "minute": 15, "second": 24}
